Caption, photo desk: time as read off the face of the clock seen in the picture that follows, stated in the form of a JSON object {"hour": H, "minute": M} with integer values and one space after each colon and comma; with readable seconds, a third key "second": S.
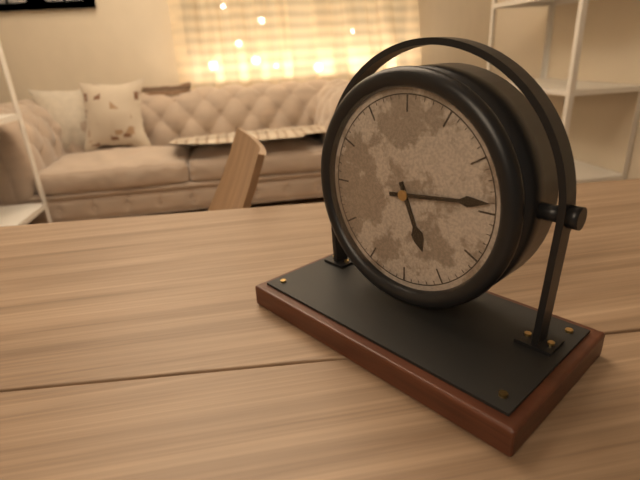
{"hour": 5, "minute": 14}
